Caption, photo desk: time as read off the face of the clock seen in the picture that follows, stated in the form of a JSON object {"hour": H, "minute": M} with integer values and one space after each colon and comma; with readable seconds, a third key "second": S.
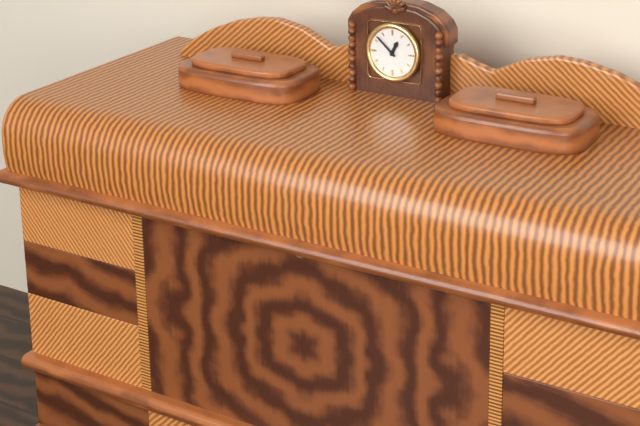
{"hour": 12, "minute": 52}
